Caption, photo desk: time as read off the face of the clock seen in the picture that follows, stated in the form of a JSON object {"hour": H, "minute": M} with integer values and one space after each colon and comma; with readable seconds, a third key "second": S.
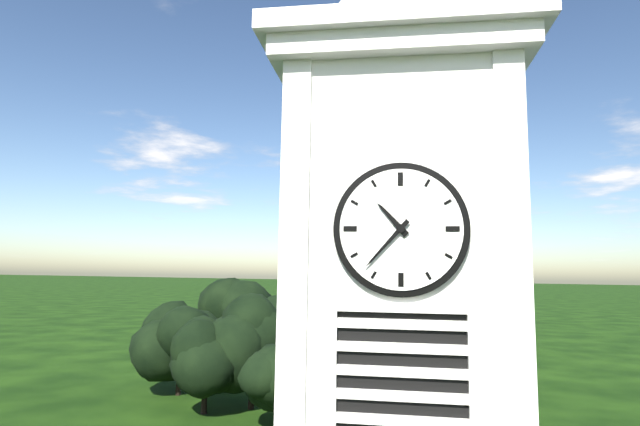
{"hour": 10, "minute": 37}
